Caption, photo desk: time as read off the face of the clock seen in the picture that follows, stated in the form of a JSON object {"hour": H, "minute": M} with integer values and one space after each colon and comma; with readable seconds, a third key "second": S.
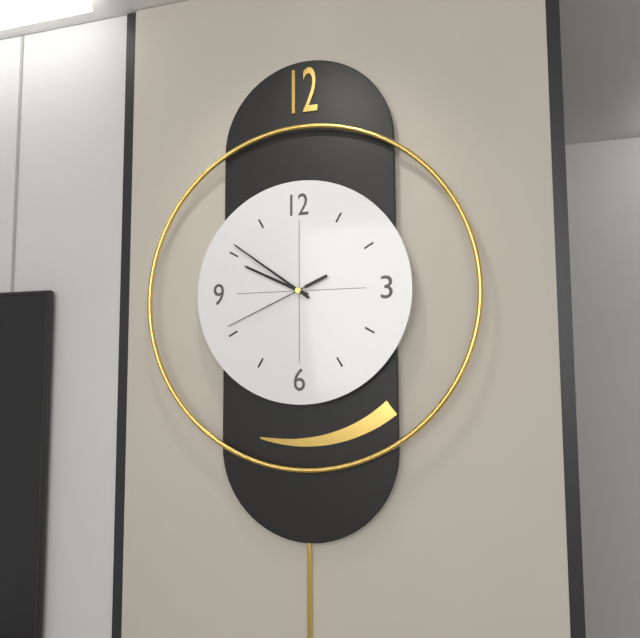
{"hour": 9, "minute": 51, "second": 41}
